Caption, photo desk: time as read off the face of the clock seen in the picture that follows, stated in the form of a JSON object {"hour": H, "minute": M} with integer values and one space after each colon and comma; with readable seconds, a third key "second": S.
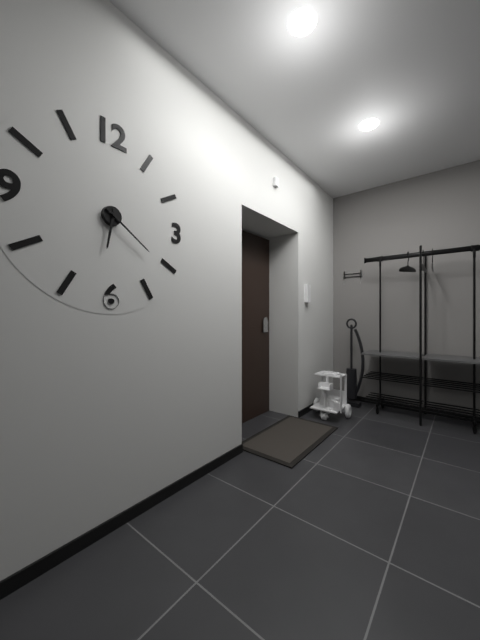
{"hour": 6, "minute": 21}
